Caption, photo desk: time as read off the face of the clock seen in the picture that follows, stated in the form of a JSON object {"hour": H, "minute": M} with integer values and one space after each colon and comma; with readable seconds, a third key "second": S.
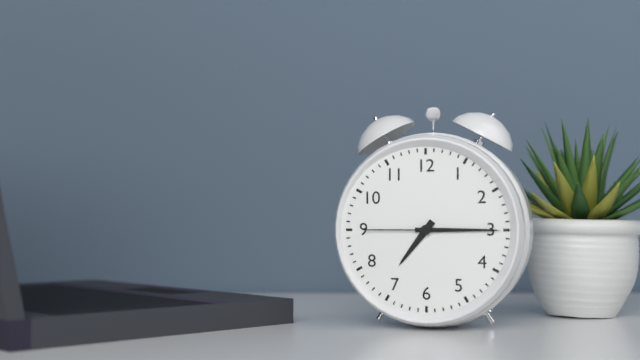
{"hour": 7, "minute": 15, "second": 45}
